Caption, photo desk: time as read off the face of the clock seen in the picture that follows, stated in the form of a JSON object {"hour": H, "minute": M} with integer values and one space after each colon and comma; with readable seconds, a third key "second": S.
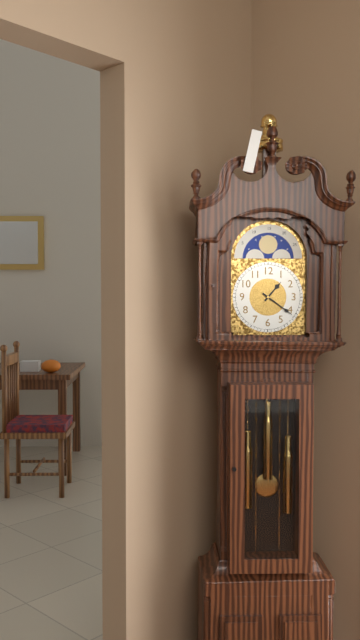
{"hour": 1, "minute": 21}
